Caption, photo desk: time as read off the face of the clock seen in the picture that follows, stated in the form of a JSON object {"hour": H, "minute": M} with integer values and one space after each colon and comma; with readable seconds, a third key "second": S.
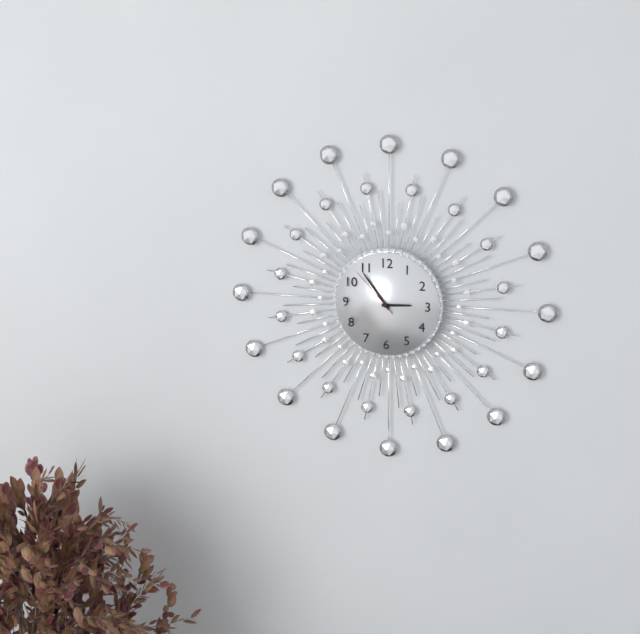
{"hour": 2, "minute": 54, "second": 53}
